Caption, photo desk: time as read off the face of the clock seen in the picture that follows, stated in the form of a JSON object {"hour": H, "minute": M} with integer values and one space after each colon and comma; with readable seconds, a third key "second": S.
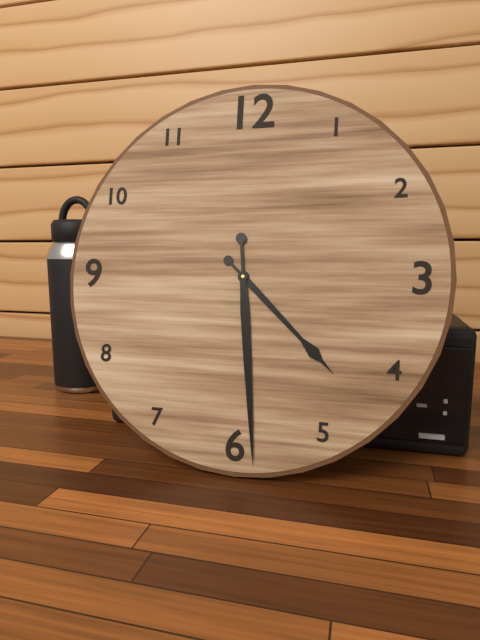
{"hour": 4, "minute": 29}
